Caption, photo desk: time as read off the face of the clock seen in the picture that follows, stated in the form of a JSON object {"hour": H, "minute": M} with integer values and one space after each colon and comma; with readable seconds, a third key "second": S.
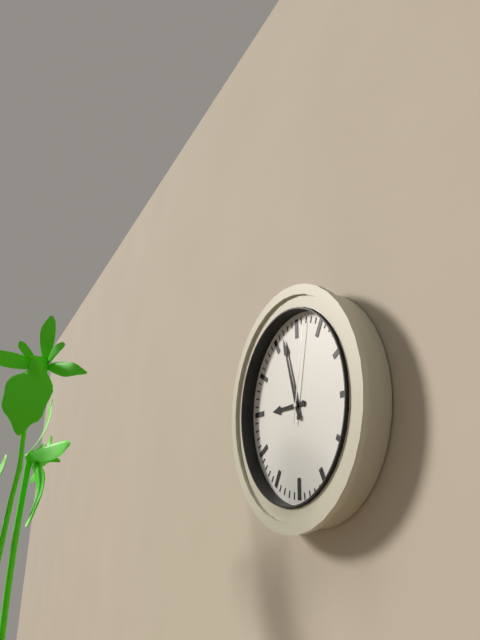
{"hour": 8, "minute": 57, "second": 2}
